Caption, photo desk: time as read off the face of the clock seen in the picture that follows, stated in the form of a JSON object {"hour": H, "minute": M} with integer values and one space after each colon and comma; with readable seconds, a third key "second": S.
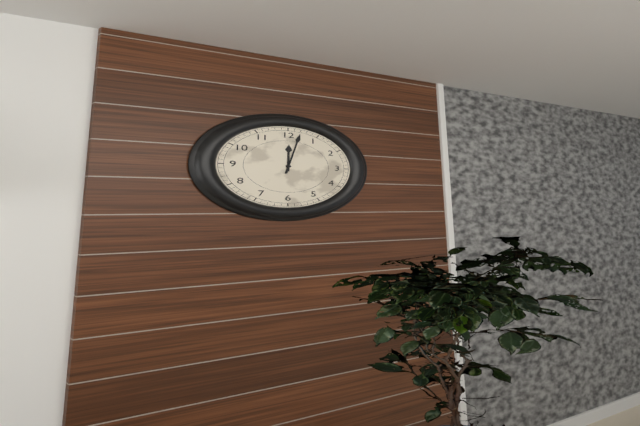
{"hour": 12, "minute": 2}
